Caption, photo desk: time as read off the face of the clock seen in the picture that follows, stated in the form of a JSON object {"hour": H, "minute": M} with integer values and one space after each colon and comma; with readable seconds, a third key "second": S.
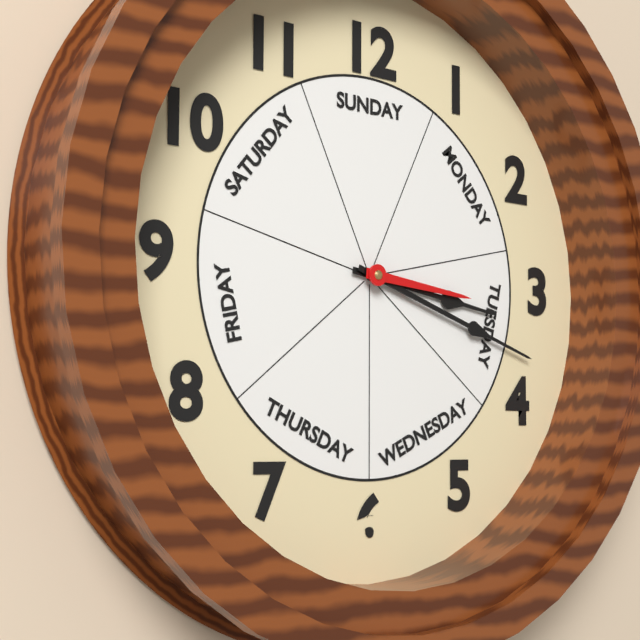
{"hour": 3, "minute": 18, "second": 16}
